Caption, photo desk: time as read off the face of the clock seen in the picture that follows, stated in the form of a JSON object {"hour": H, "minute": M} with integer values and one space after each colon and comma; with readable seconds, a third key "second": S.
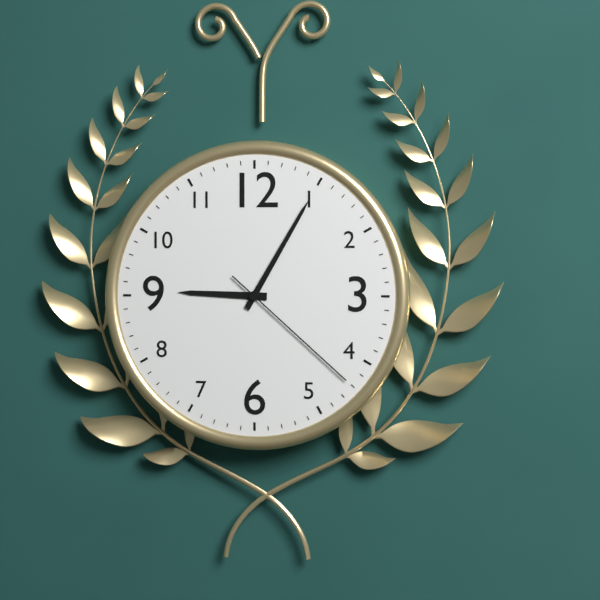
{"hour": 9, "minute": 5, "second": 22}
